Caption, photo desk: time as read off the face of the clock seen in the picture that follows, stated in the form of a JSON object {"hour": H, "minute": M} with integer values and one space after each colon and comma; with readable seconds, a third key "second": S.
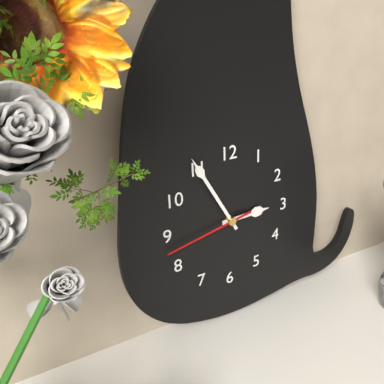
{"hour": 2, "minute": 55, "second": 43}
